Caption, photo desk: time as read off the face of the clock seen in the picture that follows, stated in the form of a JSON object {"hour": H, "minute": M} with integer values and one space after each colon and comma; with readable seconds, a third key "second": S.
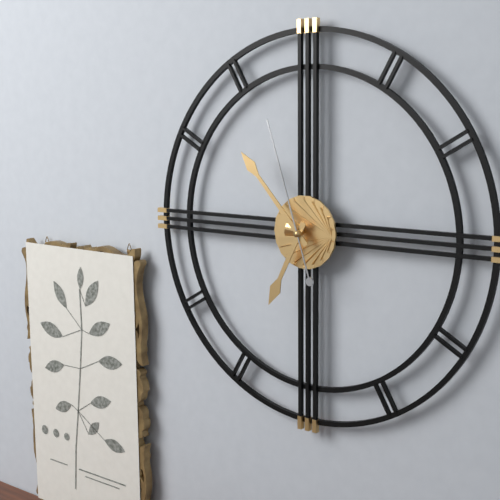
{"hour": 6, "minute": 53, "second": 57}
